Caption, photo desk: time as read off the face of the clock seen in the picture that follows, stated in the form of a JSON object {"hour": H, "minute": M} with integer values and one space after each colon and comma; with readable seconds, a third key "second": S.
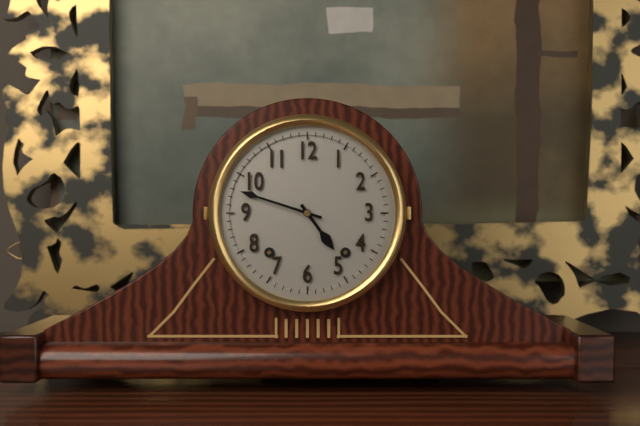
{"hour": 4, "minute": 48}
